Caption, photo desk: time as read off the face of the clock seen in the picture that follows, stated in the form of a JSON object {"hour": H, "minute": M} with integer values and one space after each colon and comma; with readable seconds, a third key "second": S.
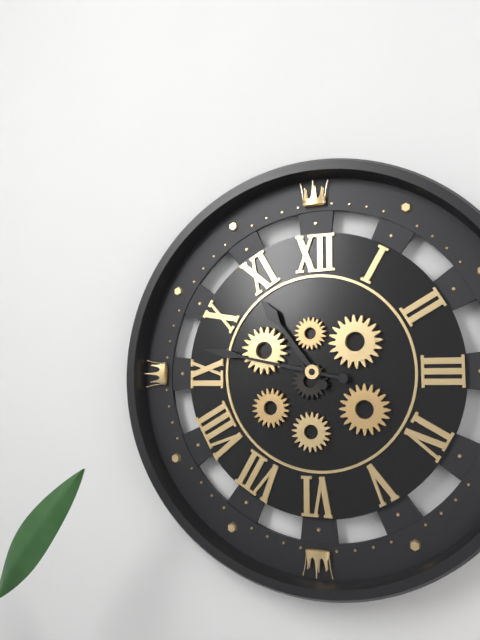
{"hour": 10, "minute": 47}
